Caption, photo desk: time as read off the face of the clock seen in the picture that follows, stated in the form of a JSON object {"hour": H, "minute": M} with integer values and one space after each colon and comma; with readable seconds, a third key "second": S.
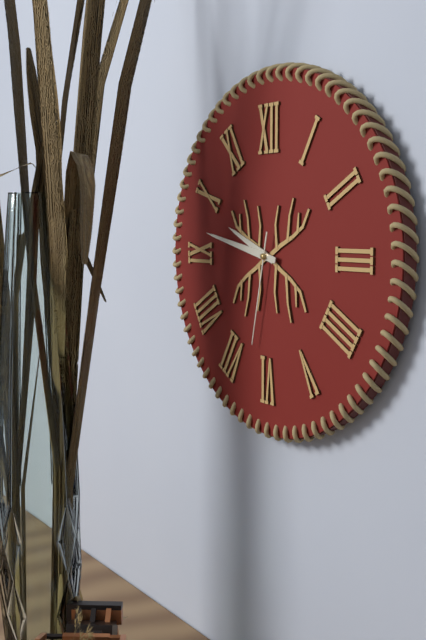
{"hour": 9, "minute": 47, "second": 32}
